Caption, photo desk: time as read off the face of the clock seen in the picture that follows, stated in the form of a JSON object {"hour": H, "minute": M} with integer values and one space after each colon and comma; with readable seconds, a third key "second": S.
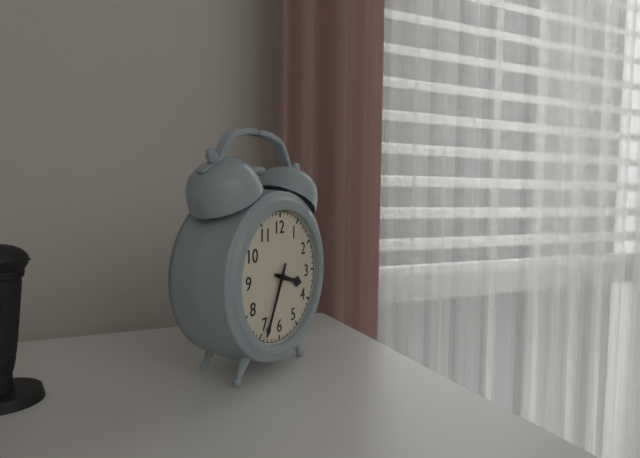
{"hour": 3, "minute": 34}
